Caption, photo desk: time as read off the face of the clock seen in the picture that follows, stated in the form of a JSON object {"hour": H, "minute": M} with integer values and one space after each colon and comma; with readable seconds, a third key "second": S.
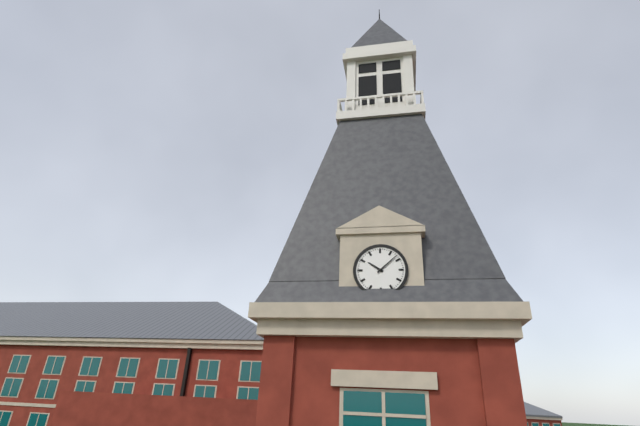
{"hour": 10, "minute": 8}
